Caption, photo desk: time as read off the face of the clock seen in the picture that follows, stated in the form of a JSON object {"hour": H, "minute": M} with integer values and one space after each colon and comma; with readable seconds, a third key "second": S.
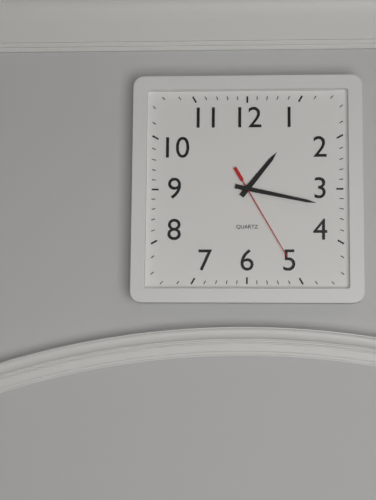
{"hour": 1, "minute": 17, "second": 25}
